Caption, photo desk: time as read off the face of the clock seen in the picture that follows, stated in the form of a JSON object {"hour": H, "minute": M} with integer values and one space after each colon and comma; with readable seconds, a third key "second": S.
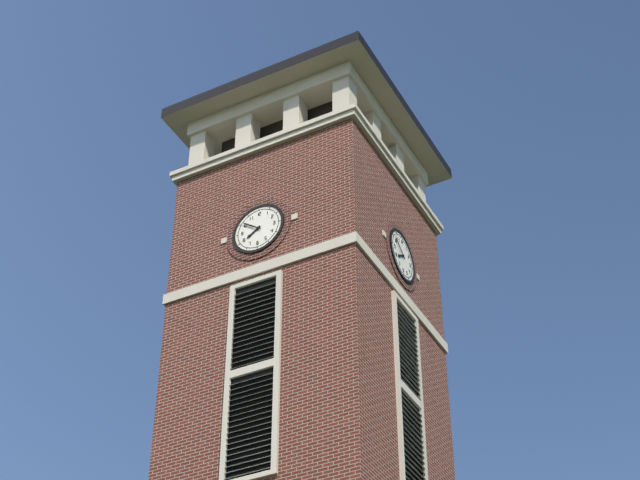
{"hour": 7, "minute": 51}
